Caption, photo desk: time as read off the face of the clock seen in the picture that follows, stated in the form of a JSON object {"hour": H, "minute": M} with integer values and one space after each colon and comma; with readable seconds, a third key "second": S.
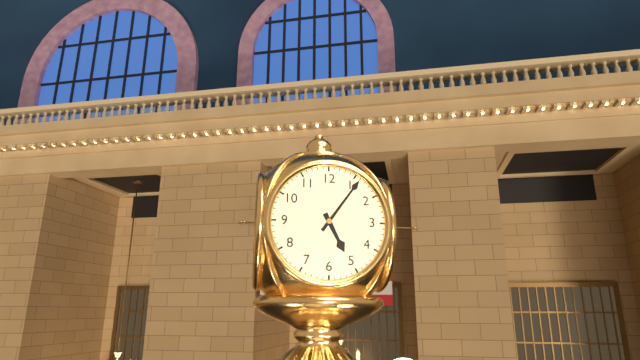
{"hour": 5, "minute": 6}
